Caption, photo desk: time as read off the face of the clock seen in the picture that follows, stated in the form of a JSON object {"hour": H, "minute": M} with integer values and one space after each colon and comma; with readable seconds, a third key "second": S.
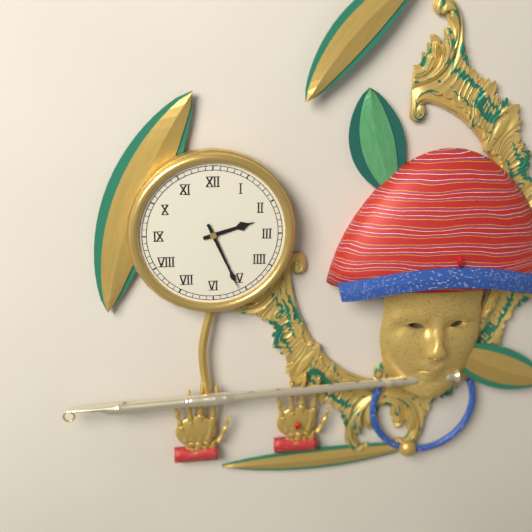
{"hour": 2, "minute": 26}
